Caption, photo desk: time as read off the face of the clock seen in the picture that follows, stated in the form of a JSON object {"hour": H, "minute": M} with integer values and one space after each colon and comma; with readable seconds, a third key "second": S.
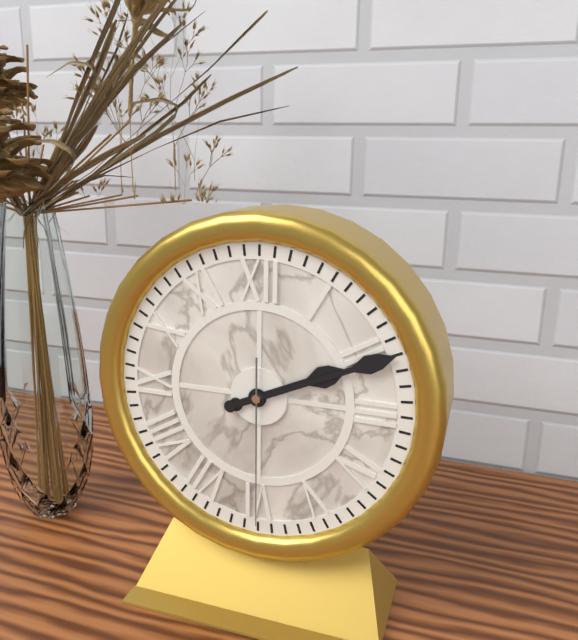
{"hour": 2, "minute": 11, "second": 30}
